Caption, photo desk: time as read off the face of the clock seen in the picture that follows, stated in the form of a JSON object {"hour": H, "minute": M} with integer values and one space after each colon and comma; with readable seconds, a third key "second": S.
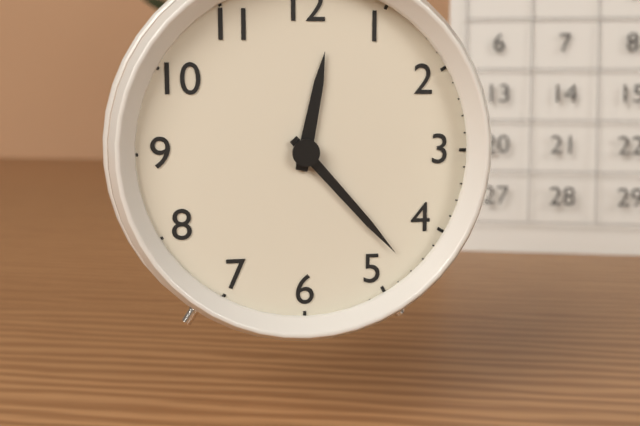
{"hour": 12, "minute": 23}
